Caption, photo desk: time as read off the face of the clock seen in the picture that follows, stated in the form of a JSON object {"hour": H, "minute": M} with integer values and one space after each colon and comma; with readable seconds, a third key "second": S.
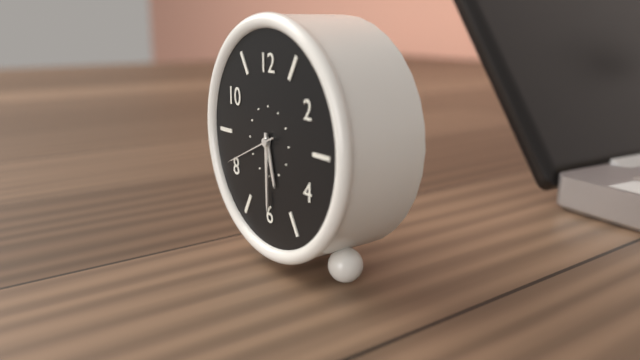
{"hour": 5, "minute": 30, "second": 41}
